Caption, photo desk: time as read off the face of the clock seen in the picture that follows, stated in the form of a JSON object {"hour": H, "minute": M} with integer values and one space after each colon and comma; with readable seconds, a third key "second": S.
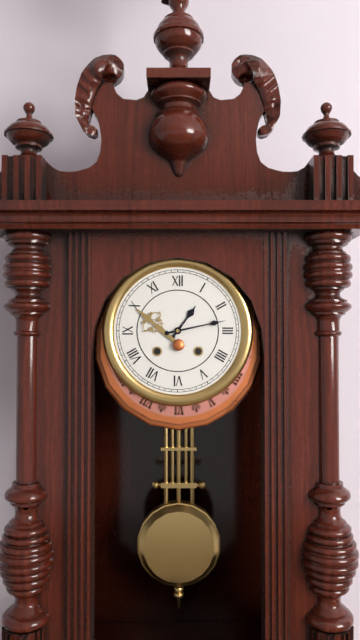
{"hour": 1, "minute": 13}
